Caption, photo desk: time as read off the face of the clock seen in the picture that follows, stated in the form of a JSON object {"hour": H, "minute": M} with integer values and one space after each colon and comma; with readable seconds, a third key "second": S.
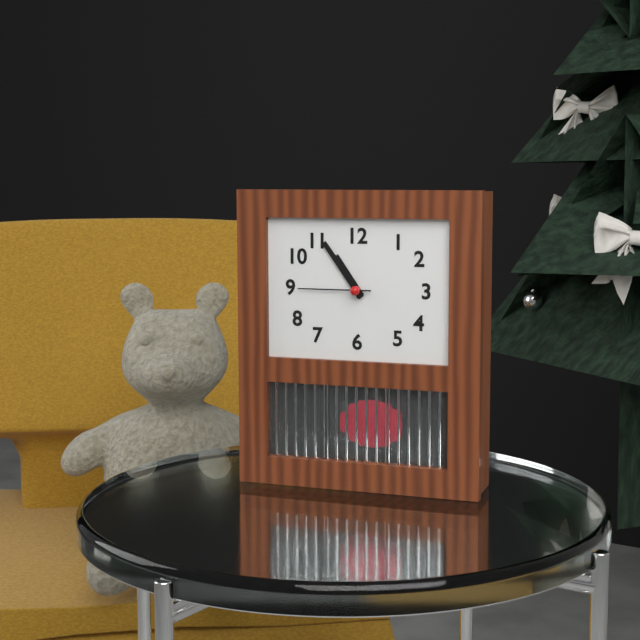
{"hour": 10, "minute": 54, "second": 45}
